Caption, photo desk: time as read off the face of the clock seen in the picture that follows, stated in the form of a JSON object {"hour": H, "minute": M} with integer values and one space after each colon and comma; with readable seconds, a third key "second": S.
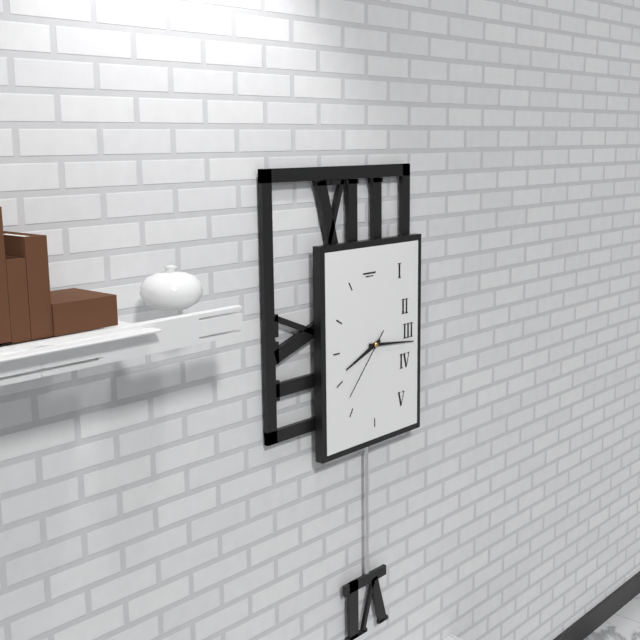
{"hour": 8, "minute": 16, "second": 37}
